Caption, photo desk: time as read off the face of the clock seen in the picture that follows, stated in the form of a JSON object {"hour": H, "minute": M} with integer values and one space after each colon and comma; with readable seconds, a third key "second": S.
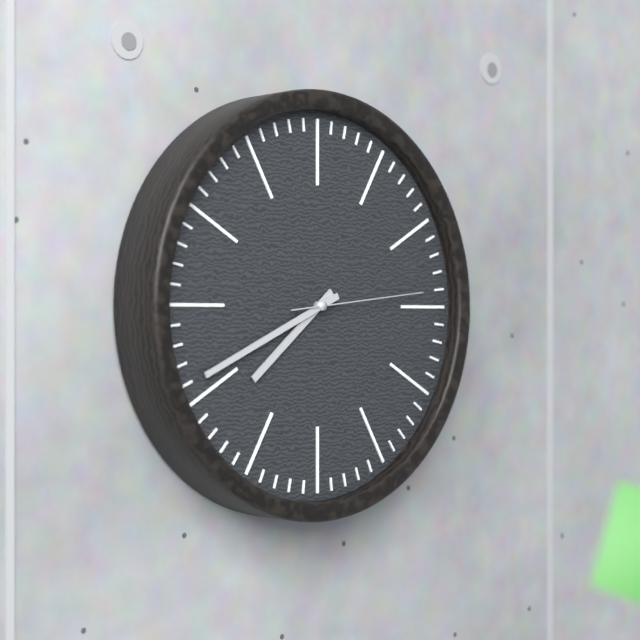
{"hour": 7, "minute": 41, "second": 14}
